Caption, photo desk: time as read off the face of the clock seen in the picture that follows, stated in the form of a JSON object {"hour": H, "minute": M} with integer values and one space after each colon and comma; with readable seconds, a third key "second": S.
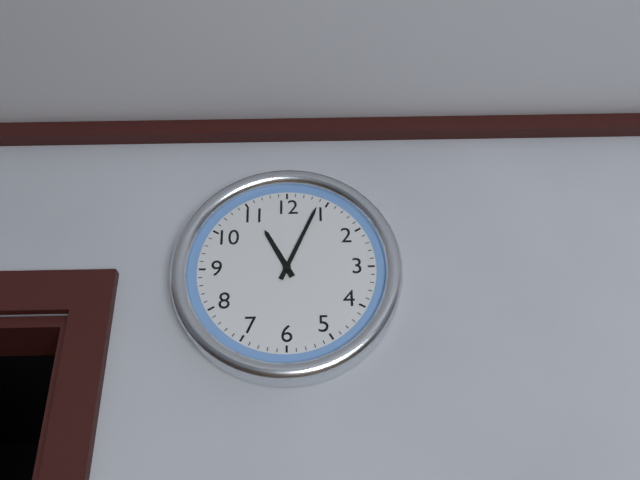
{"hour": 11, "minute": 4}
